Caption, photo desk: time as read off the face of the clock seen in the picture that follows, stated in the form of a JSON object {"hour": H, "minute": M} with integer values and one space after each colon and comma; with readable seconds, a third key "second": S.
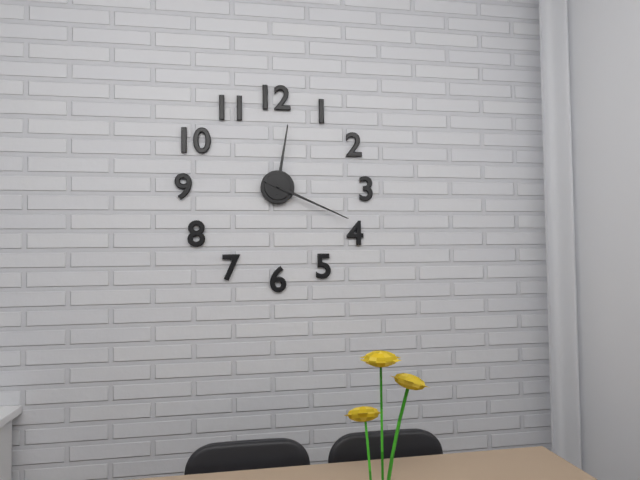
{"hour": 12, "minute": 19}
